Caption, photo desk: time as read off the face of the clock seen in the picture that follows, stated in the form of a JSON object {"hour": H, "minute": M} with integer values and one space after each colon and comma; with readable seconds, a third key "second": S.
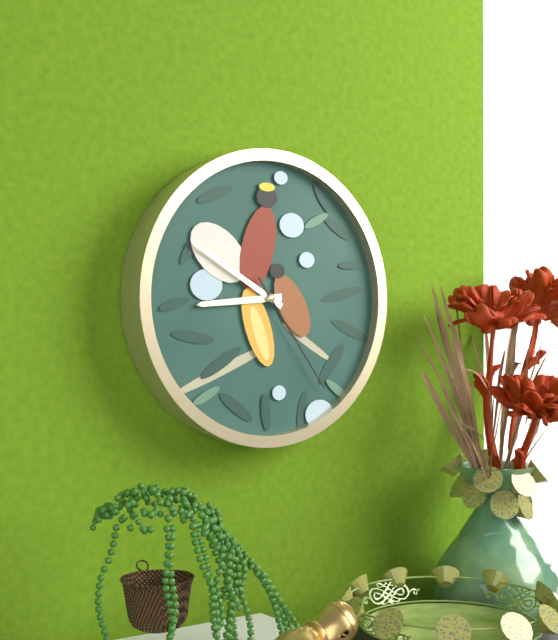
{"hour": 8, "minute": 50, "second": 24}
